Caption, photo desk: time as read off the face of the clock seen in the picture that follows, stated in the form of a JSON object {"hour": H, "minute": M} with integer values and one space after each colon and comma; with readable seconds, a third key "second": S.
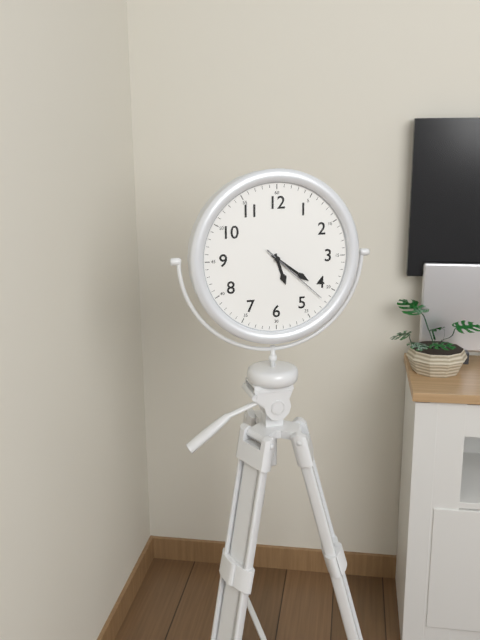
{"hour": 5, "minute": 21, "second": 22}
